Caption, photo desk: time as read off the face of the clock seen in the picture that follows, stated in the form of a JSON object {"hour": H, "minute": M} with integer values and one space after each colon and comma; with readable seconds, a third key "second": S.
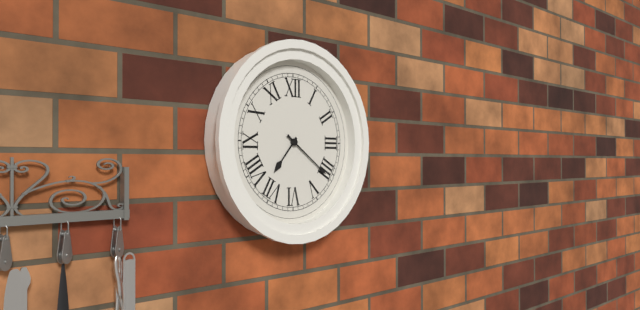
{"hour": 7, "minute": 21}
